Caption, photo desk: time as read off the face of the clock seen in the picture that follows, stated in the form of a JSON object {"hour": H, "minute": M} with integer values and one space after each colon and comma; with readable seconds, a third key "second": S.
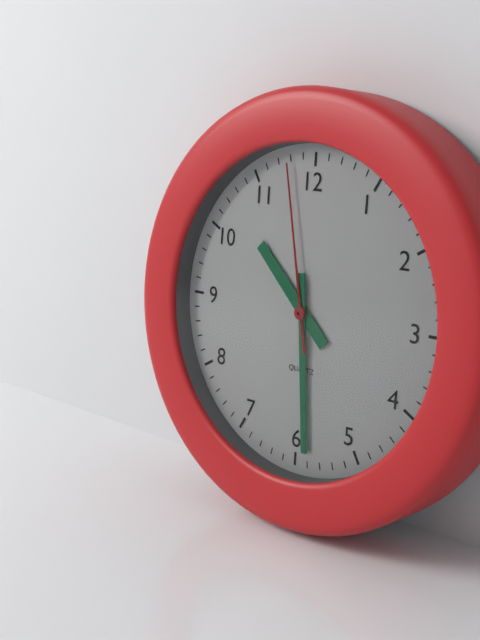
{"hour": 10, "minute": 29, "second": 58}
